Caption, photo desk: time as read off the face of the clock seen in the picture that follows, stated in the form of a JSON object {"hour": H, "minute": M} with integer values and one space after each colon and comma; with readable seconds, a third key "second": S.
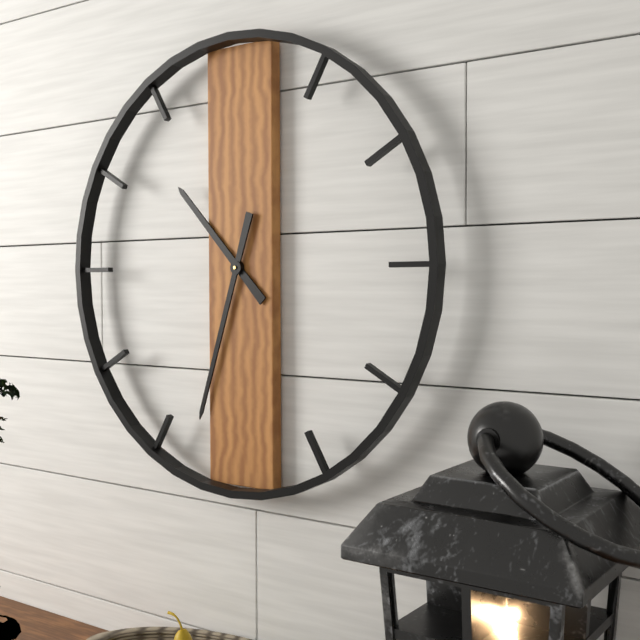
{"hour": 10, "minute": 33}
